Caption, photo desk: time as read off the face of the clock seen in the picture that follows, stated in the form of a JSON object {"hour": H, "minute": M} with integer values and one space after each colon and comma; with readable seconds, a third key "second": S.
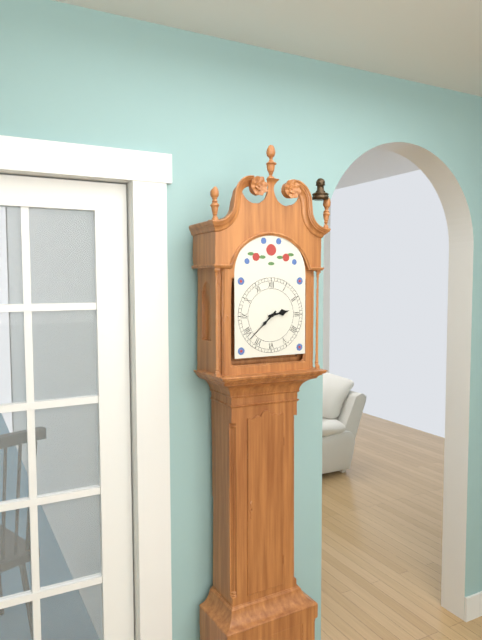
{"hour": 2, "minute": 38}
